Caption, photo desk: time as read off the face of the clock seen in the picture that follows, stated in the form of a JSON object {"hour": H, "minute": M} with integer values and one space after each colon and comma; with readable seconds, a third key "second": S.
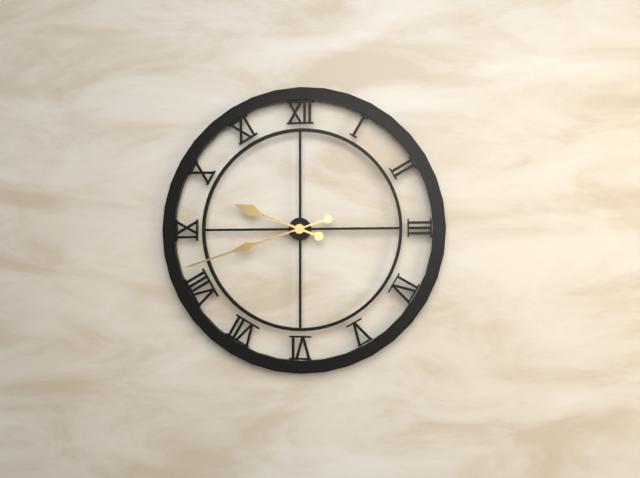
{"hour": 9, "minute": 42}
